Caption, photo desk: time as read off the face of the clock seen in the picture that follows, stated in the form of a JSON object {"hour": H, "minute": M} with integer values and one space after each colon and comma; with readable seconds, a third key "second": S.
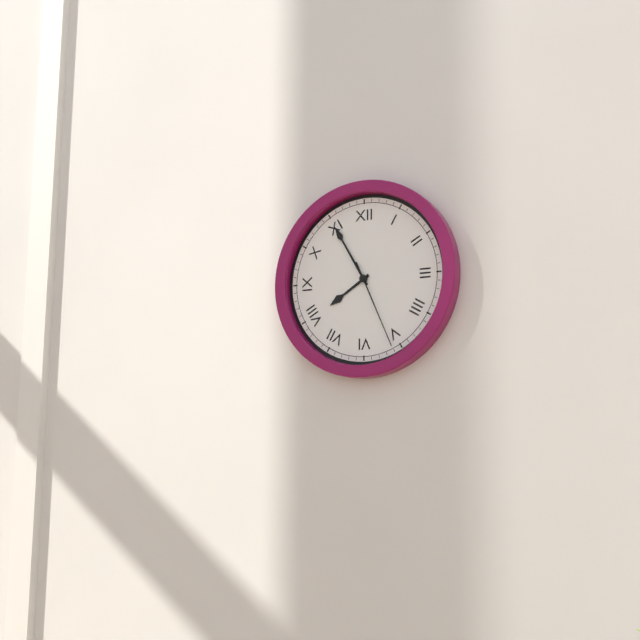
{"hour": 7, "minute": 55, "second": 26}
